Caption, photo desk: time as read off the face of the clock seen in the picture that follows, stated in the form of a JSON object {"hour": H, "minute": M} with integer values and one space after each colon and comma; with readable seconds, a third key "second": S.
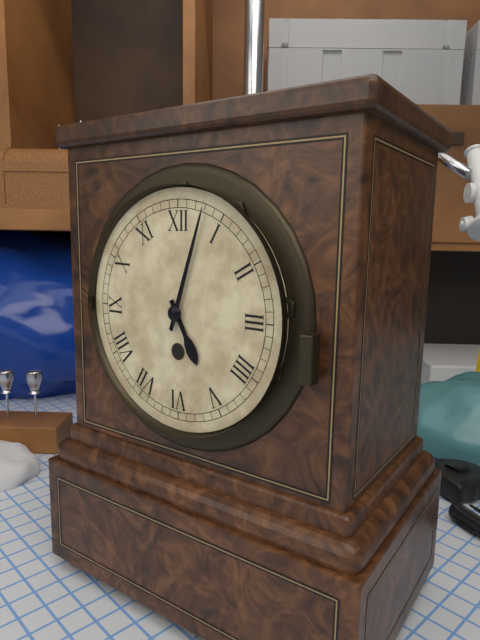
{"hour": 5, "minute": 3}
